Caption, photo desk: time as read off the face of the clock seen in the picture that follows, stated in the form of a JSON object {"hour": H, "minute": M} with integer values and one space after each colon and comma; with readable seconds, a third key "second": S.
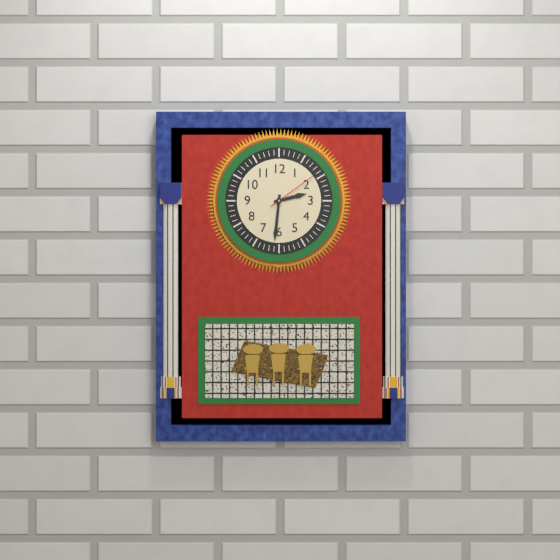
{"hour": 2, "minute": 31, "second": 9}
